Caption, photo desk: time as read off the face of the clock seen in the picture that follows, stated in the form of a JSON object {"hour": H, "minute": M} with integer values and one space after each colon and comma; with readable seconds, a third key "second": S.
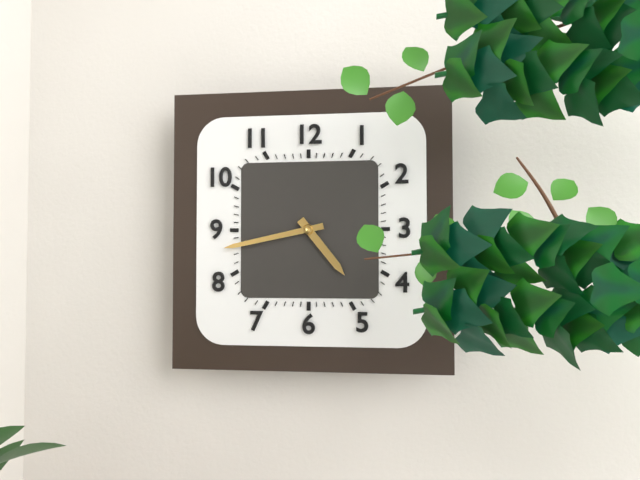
{"hour": 4, "minute": 43}
